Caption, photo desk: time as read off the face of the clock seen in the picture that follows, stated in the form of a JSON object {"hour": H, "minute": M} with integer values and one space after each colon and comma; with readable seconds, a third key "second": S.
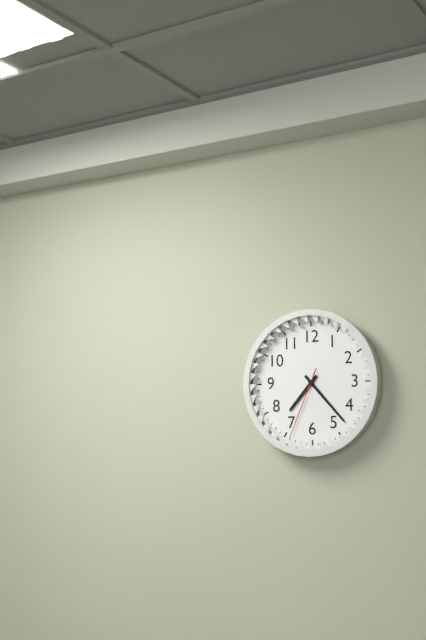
{"hour": 7, "minute": 23, "second": 34}
